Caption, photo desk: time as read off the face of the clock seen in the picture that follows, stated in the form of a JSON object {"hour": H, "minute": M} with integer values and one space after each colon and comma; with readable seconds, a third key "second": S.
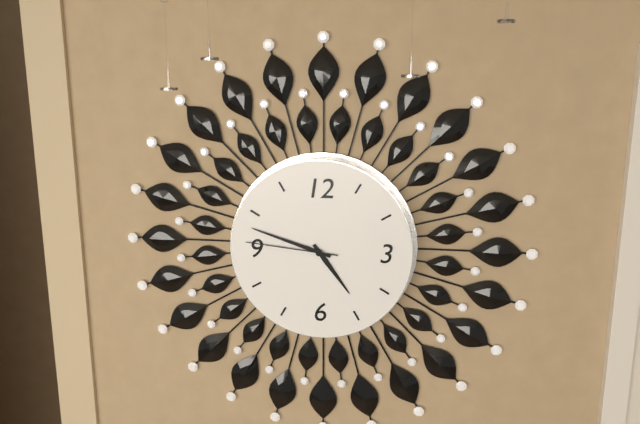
{"hour": 4, "minute": 48, "second": 46}
